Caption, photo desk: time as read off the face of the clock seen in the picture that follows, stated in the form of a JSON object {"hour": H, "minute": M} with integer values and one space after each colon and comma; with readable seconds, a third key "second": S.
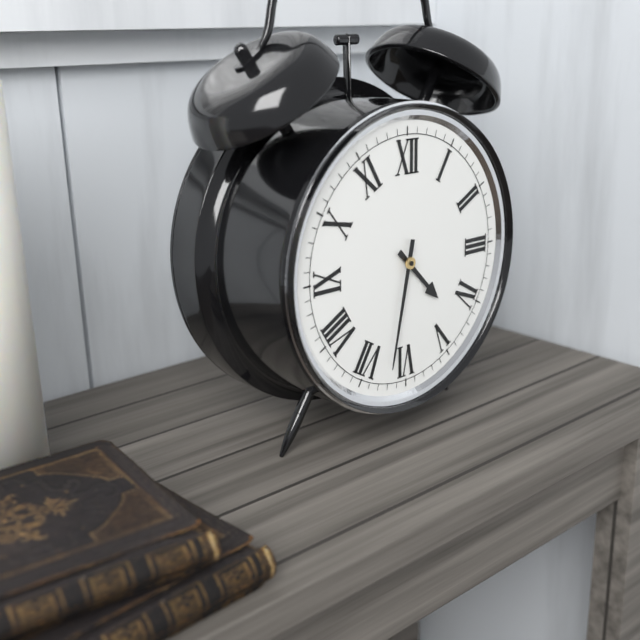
{"hour": 4, "minute": 32}
